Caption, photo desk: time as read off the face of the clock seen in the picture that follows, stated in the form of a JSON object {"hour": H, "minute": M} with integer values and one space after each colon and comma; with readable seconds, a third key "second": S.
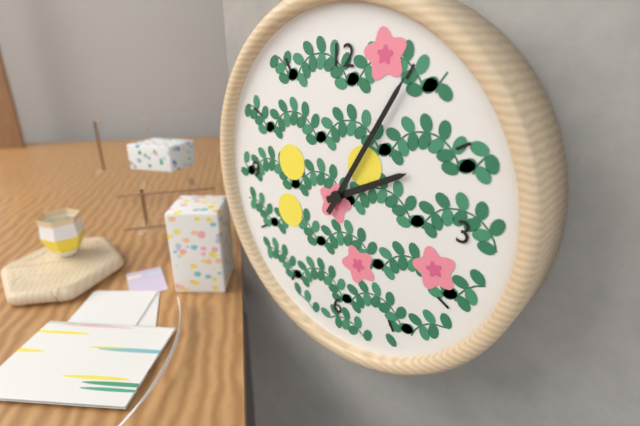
{"hour": 2, "minute": 5}
